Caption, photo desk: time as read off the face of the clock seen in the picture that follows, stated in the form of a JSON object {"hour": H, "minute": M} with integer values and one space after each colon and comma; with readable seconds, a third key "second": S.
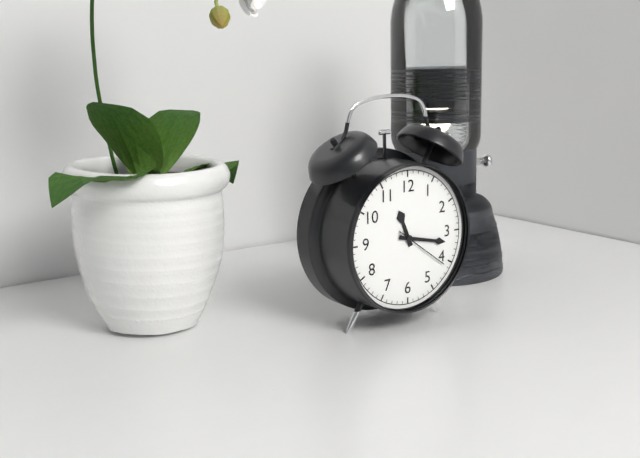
{"hour": 11, "minute": 17, "second": 21}
